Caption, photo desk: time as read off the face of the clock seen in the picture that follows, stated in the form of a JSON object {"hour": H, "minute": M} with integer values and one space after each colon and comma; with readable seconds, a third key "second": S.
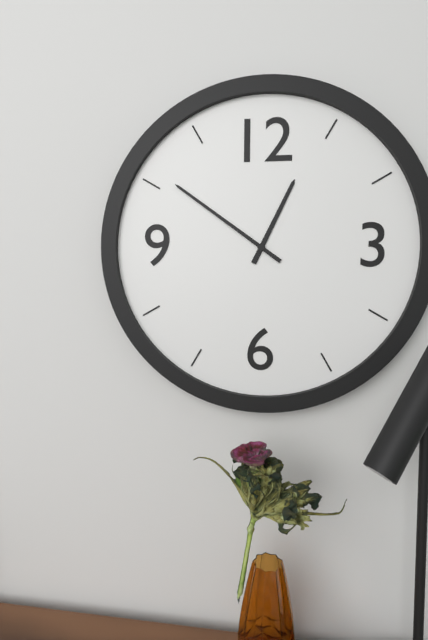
{"hour": 12, "minute": 51}
